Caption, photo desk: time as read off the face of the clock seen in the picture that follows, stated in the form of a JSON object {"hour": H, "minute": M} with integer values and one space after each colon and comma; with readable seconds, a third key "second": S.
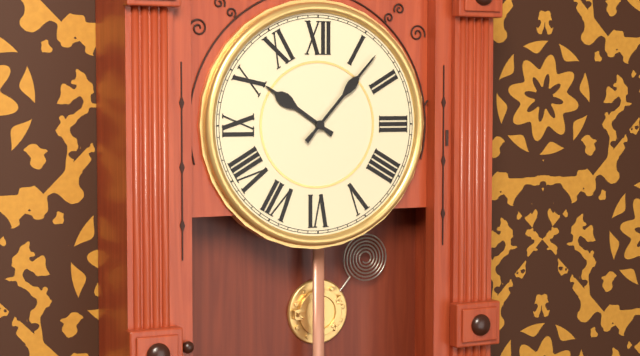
{"hour": 10, "minute": 7}
